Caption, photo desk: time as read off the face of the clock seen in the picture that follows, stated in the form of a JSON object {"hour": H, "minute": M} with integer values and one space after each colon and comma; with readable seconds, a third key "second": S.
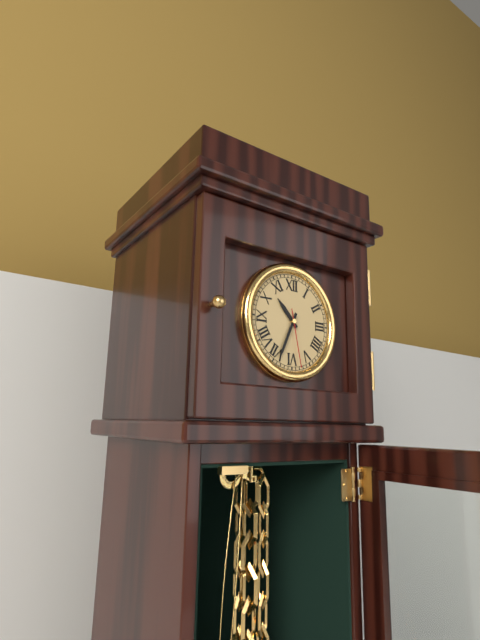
{"hour": 10, "minute": 34, "second": 28}
